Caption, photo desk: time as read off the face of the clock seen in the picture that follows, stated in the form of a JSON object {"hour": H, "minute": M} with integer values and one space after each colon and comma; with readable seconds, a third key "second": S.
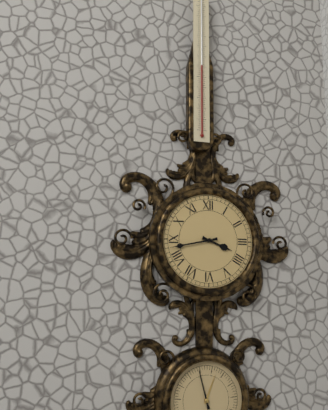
{"hour": 3, "minute": 43}
